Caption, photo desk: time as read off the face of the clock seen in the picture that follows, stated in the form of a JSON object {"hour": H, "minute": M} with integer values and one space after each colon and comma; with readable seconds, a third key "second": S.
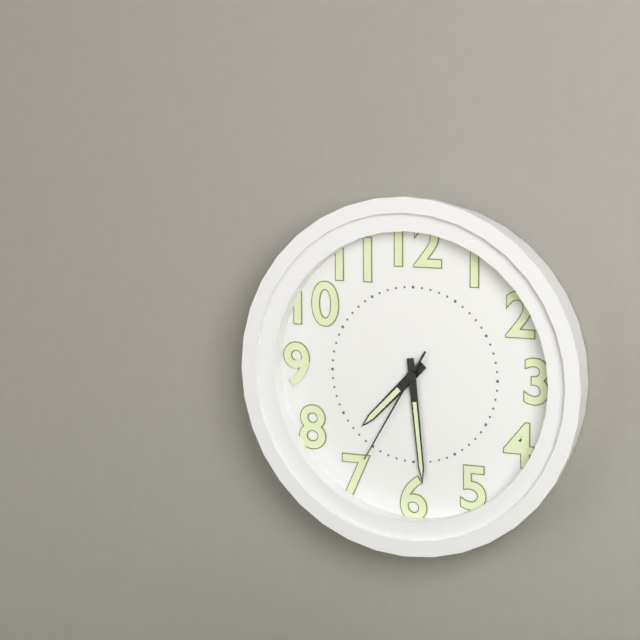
{"hour": 7, "minute": 29, "second": 35}
